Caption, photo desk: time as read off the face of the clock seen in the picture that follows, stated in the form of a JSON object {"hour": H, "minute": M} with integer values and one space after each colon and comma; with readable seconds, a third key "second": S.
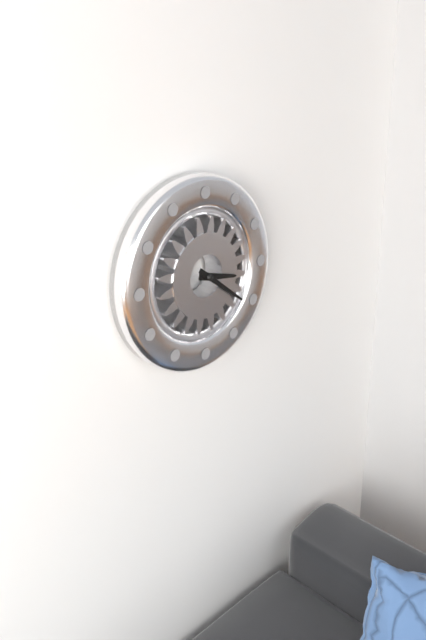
{"hour": 3, "minute": 21}
